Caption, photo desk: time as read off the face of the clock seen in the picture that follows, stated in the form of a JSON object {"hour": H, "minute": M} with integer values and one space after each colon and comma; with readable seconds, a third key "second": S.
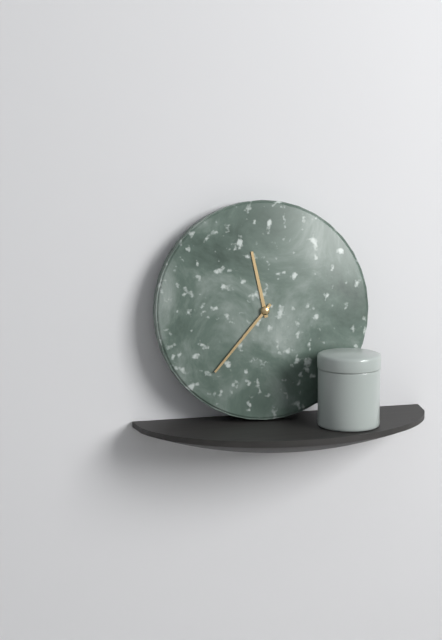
{"hour": 11, "minute": 37}
